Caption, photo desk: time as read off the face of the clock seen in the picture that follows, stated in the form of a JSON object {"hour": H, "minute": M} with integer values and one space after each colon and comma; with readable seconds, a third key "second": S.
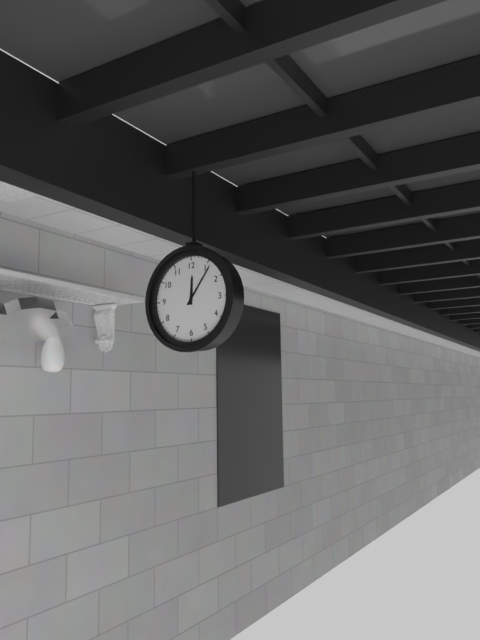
{"hour": 12, "minute": 6}
